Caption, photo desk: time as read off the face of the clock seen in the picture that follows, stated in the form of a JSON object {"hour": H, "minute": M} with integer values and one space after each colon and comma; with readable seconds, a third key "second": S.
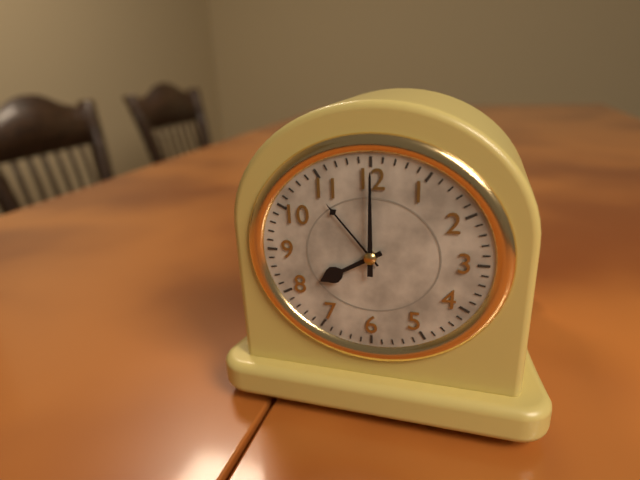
{"hour": 8, "minute": 0}
